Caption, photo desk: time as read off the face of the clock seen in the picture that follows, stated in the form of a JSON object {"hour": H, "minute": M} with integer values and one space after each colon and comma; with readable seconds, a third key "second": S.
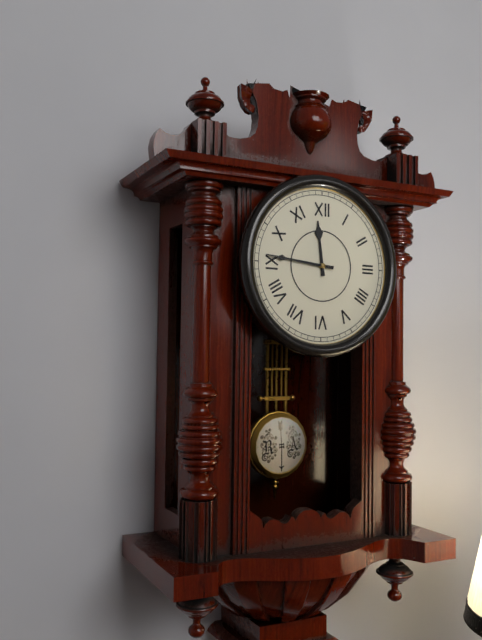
{"hour": 11, "minute": 46}
